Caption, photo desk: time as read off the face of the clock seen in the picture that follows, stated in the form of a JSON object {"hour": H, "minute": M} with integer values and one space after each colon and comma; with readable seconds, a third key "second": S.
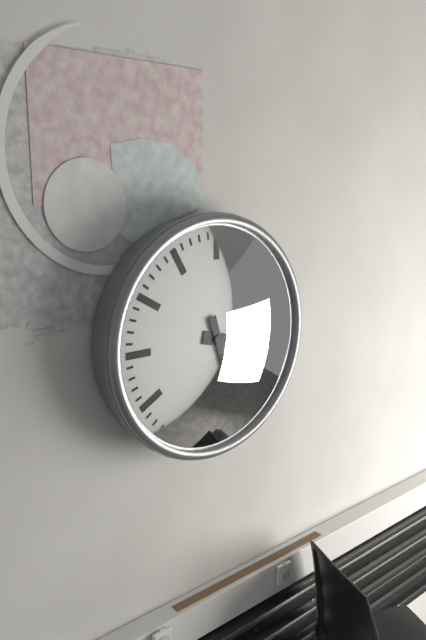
{"hour": 3, "minute": 27}
